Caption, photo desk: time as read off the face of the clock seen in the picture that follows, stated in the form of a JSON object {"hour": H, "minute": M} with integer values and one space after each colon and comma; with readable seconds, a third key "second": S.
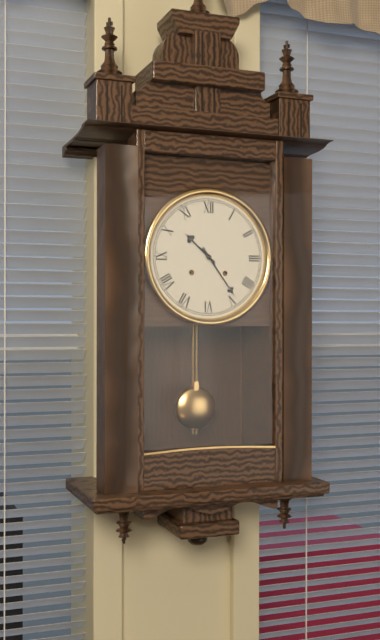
{"hour": 10, "minute": 24}
